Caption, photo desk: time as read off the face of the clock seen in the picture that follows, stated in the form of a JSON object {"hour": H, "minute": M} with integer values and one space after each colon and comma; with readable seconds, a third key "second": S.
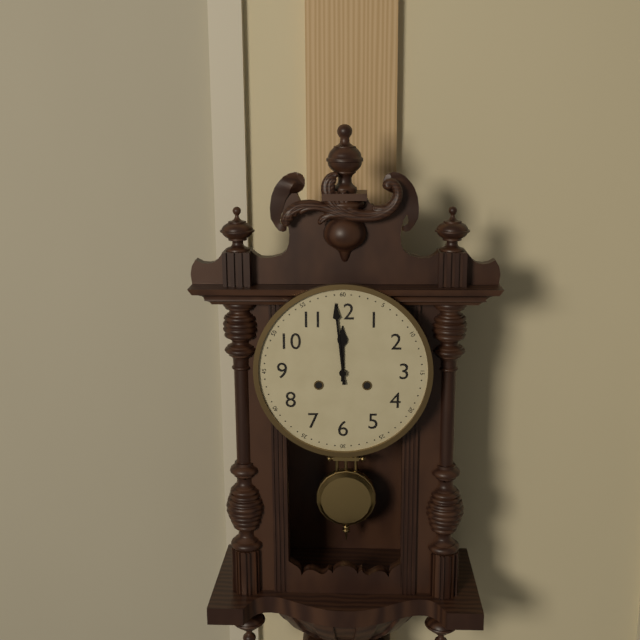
{"hour": 11, "minute": 59}
